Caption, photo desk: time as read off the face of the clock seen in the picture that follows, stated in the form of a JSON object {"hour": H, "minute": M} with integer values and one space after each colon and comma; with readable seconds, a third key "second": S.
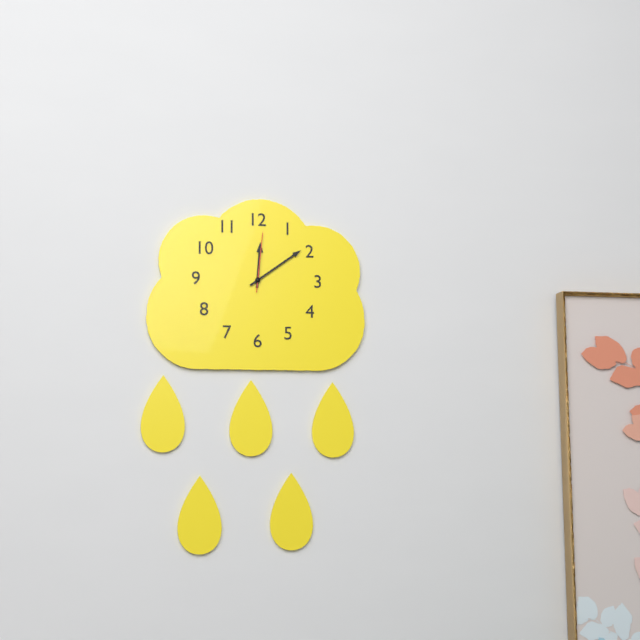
{"hour": 12, "minute": 9, "second": 1}
